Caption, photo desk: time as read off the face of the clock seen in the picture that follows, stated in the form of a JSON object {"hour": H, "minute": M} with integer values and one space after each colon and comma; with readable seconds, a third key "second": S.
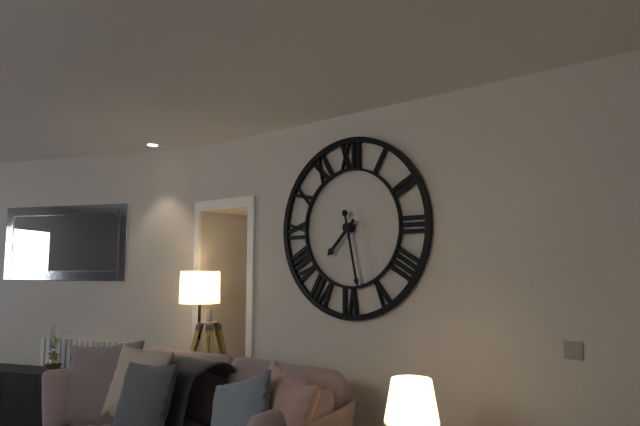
{"hour": 7, "minute": 28}
